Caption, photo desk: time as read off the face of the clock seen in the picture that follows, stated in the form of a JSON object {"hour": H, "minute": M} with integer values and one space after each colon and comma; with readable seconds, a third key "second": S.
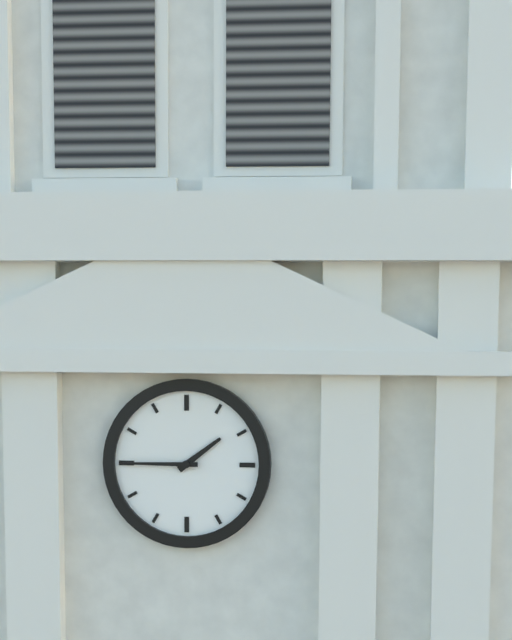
{"hour": 1, "minute": 45}
